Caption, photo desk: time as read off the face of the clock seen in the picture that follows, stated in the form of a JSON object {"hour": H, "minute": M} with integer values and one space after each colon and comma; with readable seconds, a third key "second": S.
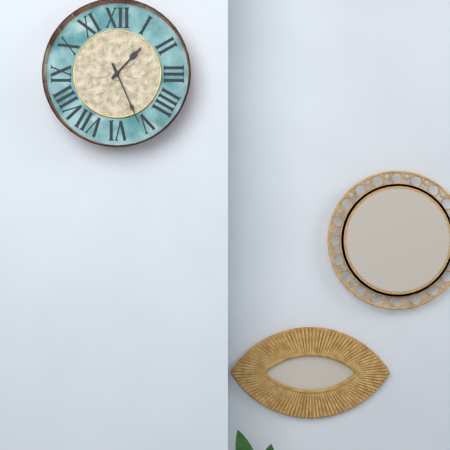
{"hour": 1, "minute": 26}
